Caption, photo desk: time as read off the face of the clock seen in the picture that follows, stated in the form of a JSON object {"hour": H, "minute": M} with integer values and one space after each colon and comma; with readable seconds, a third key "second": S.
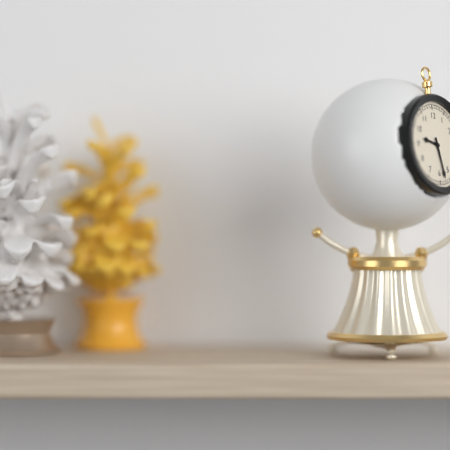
{"hour": 9, "minute": 28}
